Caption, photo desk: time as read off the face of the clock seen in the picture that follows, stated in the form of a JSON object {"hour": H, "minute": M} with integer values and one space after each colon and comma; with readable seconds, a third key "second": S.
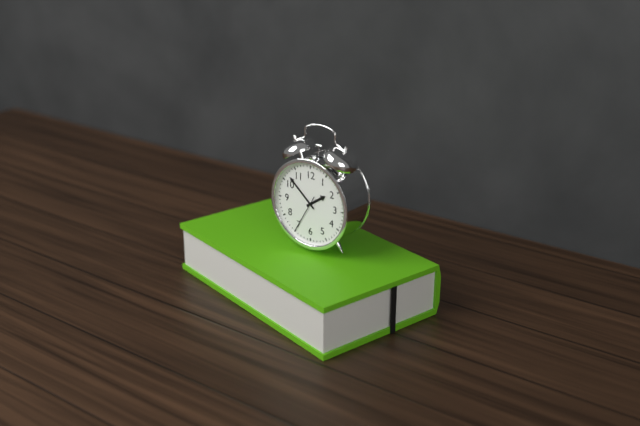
{"hour": 1, "minute": 52}
